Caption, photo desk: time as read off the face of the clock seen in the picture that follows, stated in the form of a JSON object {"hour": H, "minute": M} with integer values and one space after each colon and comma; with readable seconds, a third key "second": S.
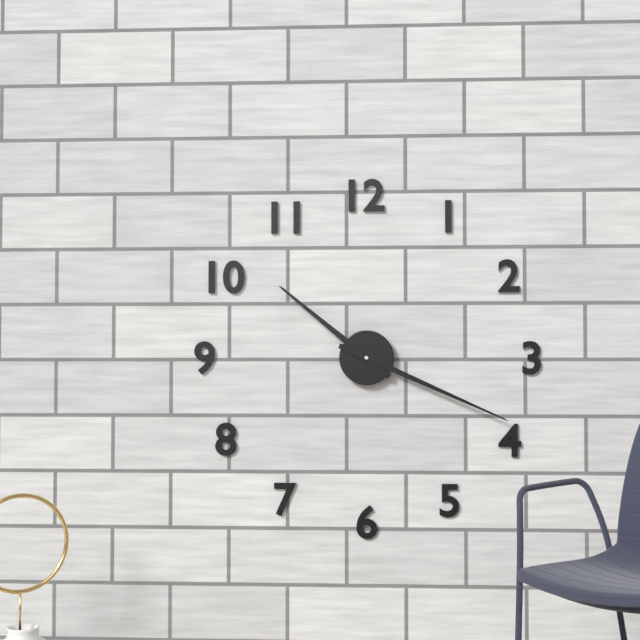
{"hour": 10, "minute": 19}
